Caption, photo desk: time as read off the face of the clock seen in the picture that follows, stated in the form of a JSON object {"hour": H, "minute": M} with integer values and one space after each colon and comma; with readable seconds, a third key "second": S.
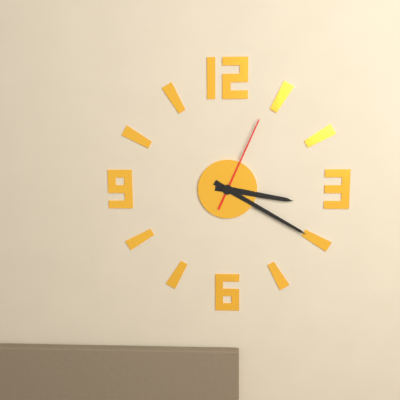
{"hour": 3, "minute": 20, "second": 4}
